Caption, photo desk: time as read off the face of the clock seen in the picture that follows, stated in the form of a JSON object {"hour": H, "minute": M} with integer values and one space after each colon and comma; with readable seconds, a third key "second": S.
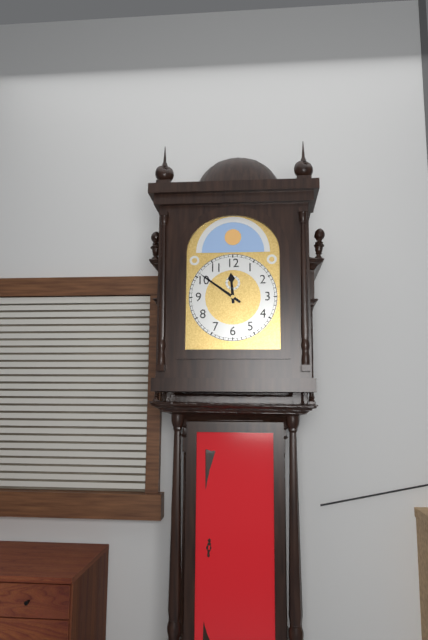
{"hour": 11, "minute": 51}
